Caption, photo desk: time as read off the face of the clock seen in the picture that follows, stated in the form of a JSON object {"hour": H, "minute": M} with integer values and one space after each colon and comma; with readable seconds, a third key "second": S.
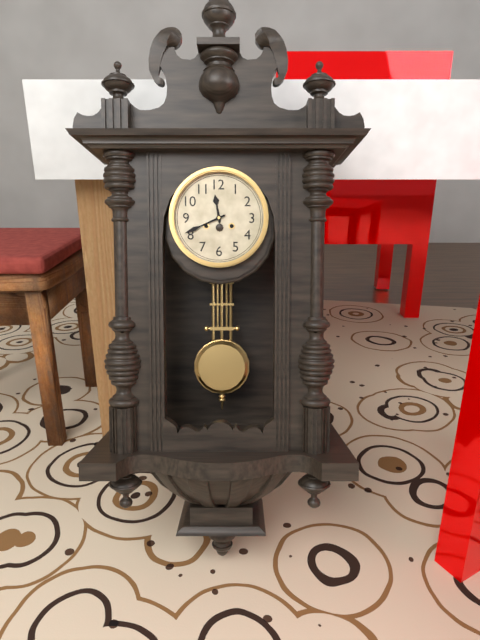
{"hour": 11, "minute": 41}
